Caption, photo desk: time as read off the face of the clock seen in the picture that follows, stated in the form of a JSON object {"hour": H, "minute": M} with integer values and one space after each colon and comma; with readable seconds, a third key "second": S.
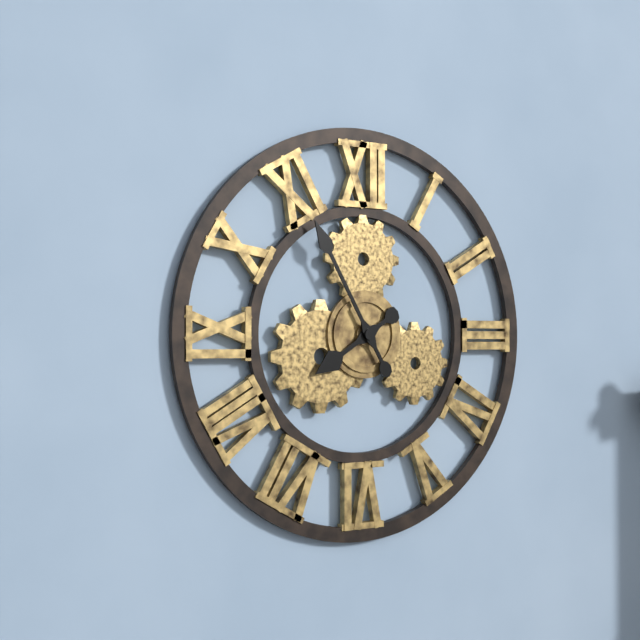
{"hour": 7, "minute": 55}
